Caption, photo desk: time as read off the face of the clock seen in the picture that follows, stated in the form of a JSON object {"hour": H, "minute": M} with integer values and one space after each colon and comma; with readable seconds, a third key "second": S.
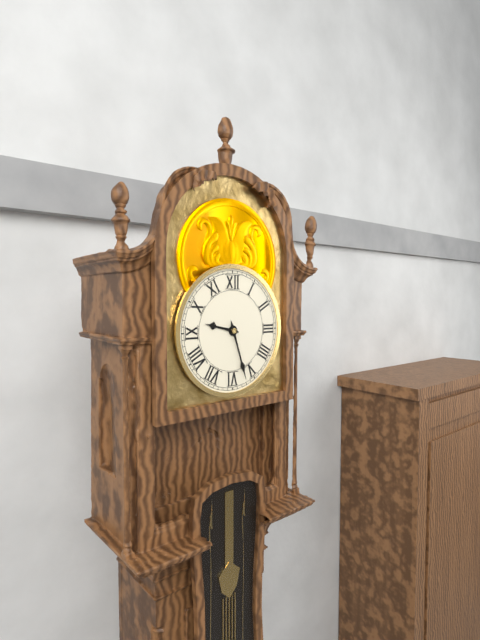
{"hour": 9, "minute": 27}
